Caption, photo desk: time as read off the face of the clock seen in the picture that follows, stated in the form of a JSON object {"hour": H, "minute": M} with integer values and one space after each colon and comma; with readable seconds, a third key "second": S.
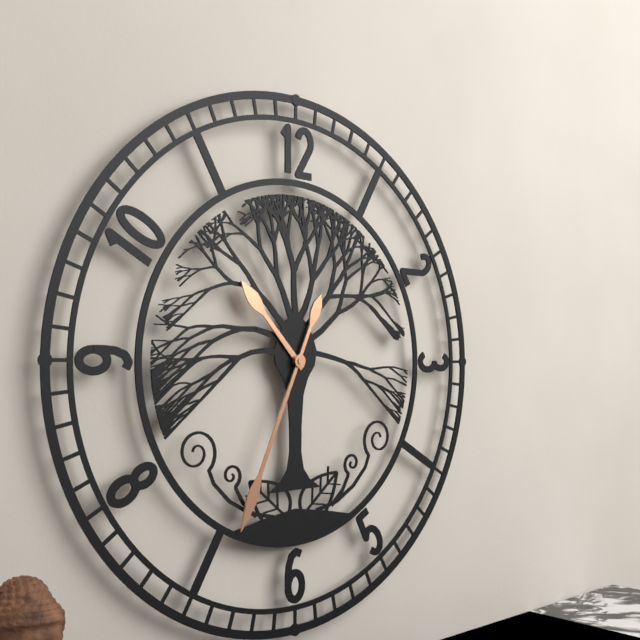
{"hour": 10, "minute": 34}
